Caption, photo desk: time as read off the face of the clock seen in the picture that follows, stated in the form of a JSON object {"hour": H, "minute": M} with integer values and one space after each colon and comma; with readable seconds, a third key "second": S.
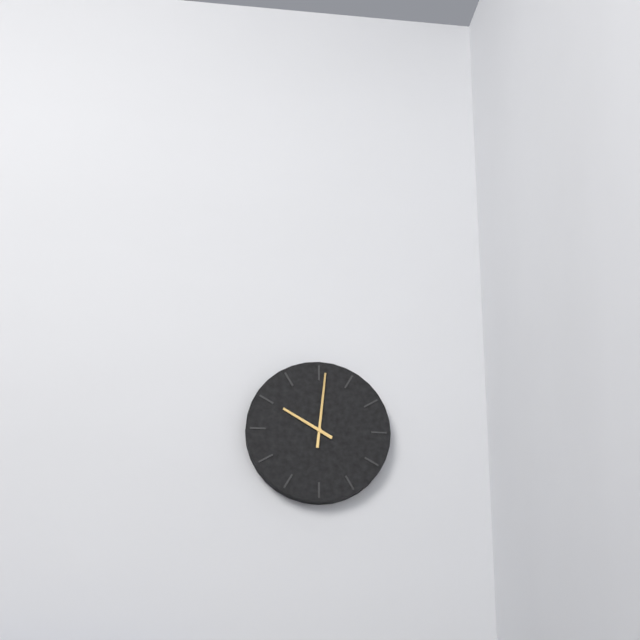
{"hour": 10, "minute": 1}
